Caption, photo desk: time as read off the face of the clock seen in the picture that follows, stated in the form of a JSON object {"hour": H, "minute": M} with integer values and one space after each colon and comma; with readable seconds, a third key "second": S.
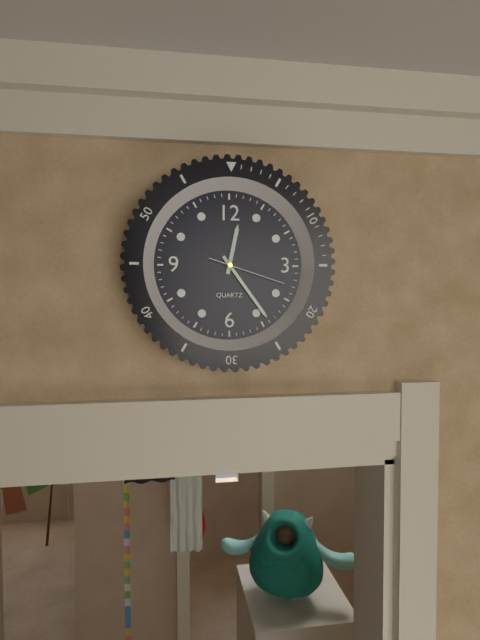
{"hour": 12, "minute": 24, "second": 18}
